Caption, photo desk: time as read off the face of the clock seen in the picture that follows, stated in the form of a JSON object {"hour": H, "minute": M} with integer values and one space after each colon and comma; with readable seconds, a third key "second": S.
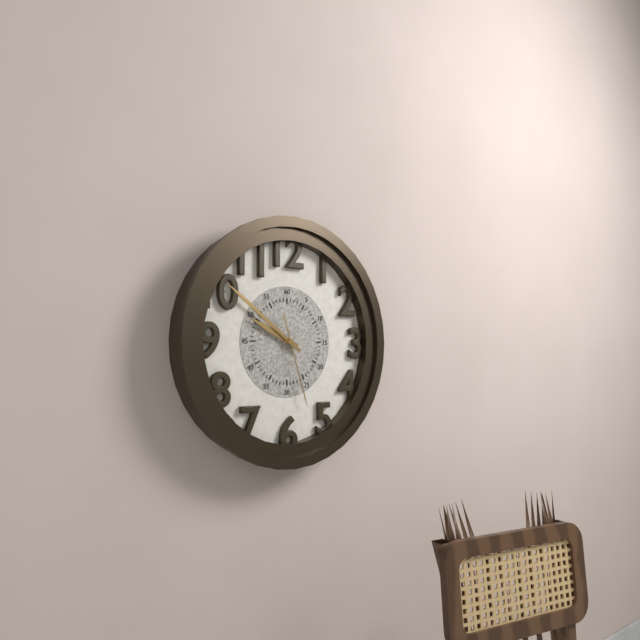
{"hour": 9, "minute": 51, "second": 27}
